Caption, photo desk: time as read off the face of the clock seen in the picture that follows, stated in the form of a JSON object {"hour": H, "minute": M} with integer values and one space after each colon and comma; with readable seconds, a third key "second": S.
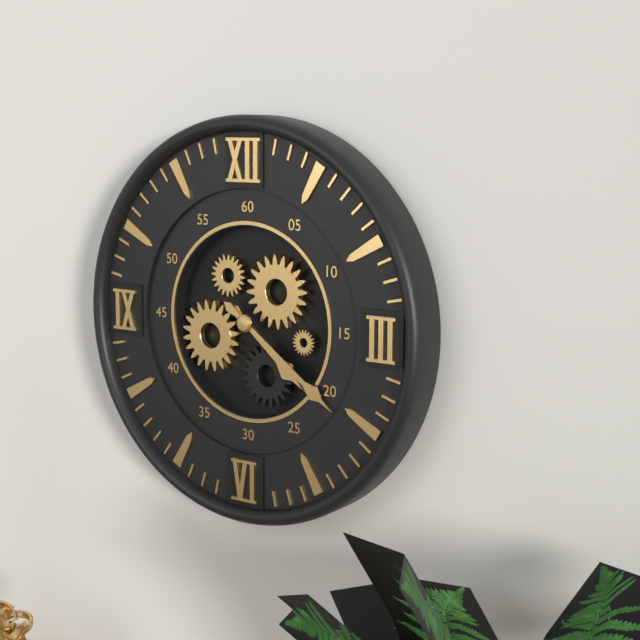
{"hour": 4, "minute": 21}
